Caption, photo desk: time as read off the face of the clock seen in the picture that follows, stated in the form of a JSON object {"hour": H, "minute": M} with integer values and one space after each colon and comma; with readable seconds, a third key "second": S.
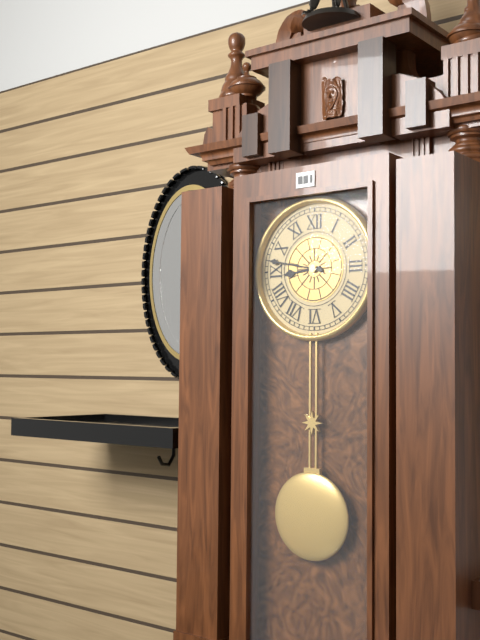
{"hour": 8, "minute": 47}
